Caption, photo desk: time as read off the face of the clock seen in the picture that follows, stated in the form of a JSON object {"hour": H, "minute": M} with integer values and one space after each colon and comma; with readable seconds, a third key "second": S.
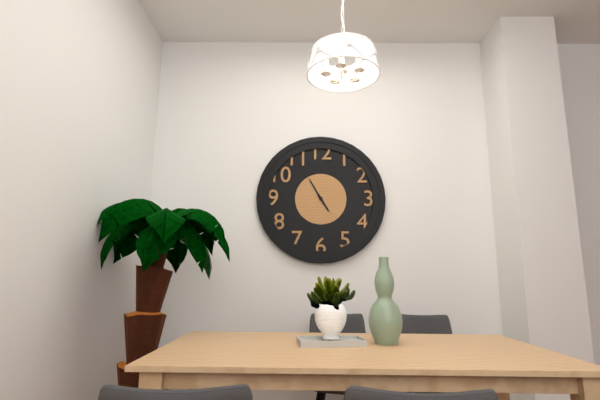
{"hour": 4, "minute": 55}
